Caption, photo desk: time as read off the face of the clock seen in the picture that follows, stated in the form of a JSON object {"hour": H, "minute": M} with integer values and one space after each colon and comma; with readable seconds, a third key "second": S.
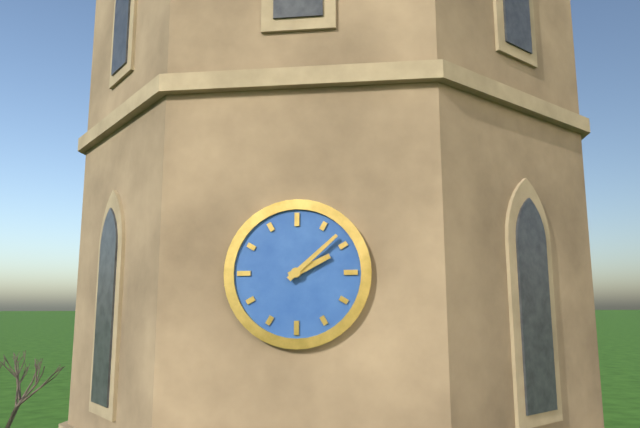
{"hour": 2, "minute": 8}
